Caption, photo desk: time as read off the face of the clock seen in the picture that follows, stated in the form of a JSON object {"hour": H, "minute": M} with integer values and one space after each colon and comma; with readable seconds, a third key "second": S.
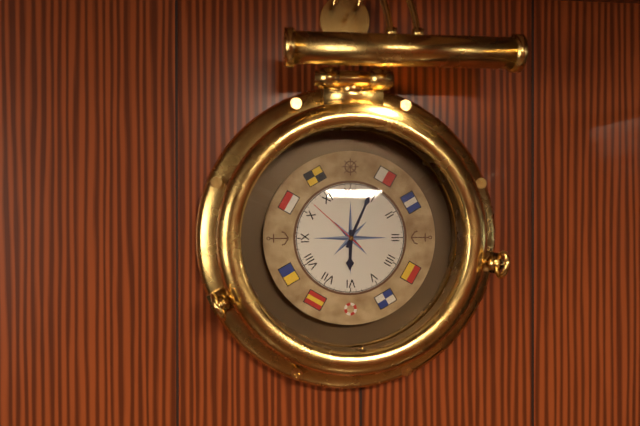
{"hour": 6, "minute": 4, "second": 52}
